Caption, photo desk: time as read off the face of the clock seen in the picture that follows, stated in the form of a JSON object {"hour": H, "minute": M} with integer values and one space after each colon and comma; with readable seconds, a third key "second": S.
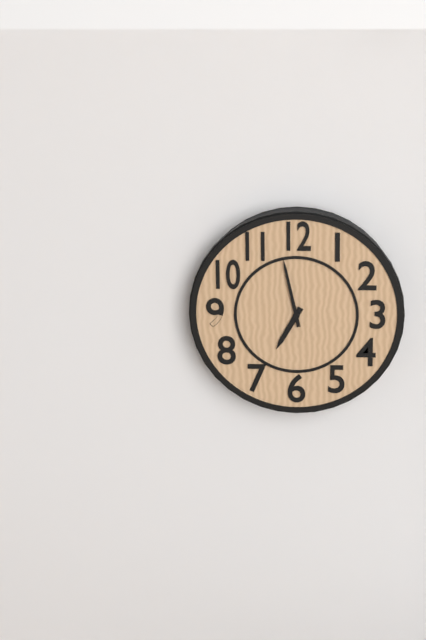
{"hour": 6, "minute": 58}
